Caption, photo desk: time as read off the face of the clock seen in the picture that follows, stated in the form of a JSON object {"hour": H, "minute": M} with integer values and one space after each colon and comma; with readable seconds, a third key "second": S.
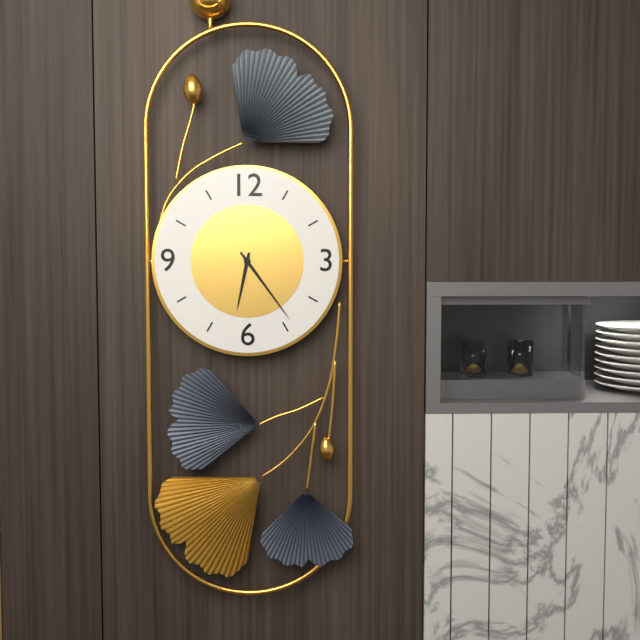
{"hour": 6, "minute": 24}
